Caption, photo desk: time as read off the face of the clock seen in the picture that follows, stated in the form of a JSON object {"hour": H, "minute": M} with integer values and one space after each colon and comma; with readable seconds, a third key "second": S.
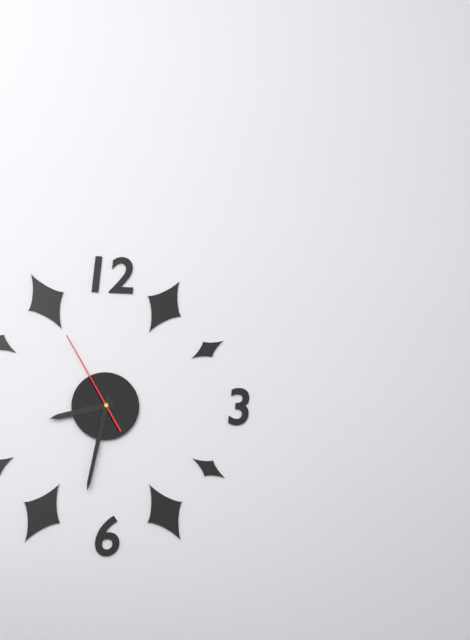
{"hour": 8, "minute": 32, "second": 55}
